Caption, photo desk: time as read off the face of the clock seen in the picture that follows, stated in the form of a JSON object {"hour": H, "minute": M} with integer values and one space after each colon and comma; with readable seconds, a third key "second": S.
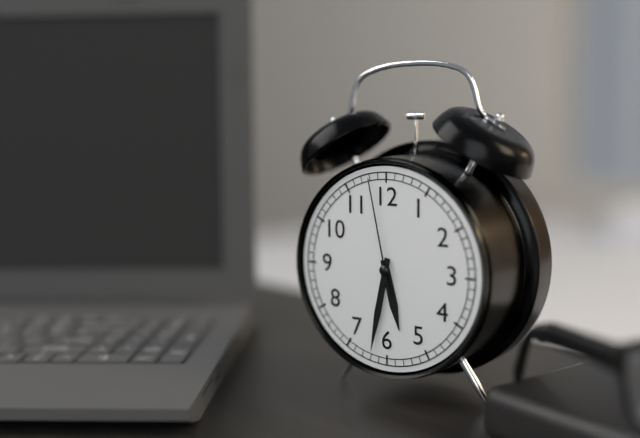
{"hour": 5, "minute": 32, "second": 58}
